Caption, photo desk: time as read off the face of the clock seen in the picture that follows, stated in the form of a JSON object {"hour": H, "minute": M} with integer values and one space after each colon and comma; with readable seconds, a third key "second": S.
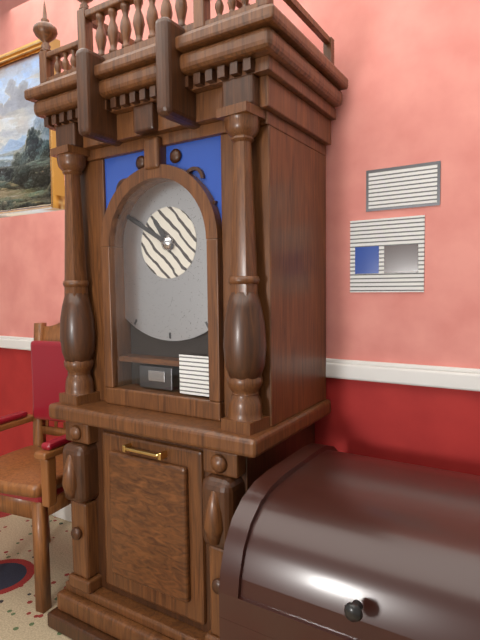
{"hour": 10, "minute": 50}
